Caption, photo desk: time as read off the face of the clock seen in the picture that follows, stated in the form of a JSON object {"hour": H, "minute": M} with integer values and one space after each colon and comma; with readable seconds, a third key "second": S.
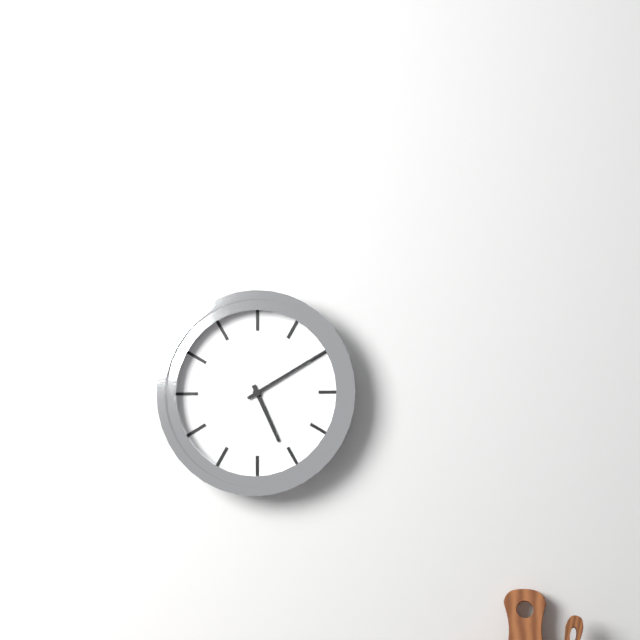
{"hour": 5, "minute": 10}
